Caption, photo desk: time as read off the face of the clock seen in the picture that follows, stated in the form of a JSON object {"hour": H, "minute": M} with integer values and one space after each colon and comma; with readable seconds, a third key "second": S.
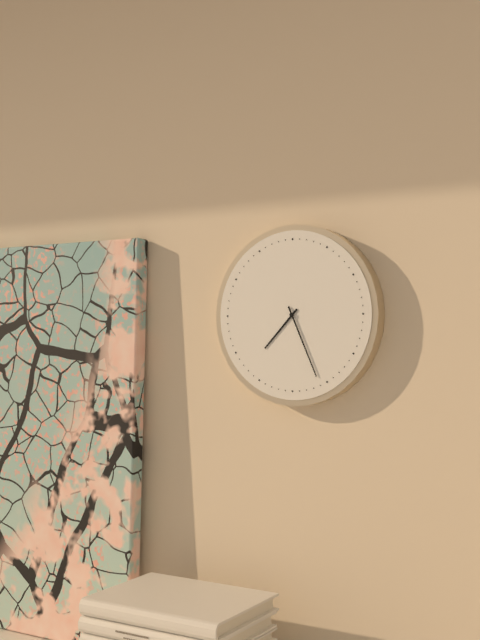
{"hour": 7, "minute": 26}
